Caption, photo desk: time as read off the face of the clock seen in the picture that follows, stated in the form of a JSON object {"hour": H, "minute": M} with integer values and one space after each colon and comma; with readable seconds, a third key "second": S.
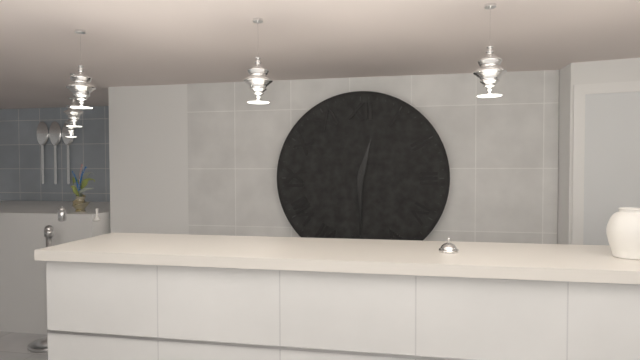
{"hour": 12, "minute": 30}
